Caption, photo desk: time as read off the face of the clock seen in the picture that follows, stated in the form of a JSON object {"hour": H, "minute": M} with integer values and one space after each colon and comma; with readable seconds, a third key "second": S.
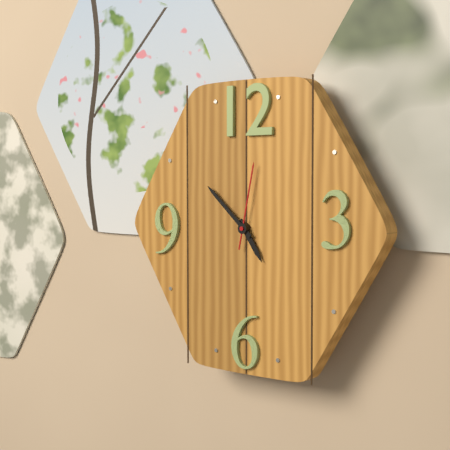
{"hour": 4, "minute": 52, "second": 2}
